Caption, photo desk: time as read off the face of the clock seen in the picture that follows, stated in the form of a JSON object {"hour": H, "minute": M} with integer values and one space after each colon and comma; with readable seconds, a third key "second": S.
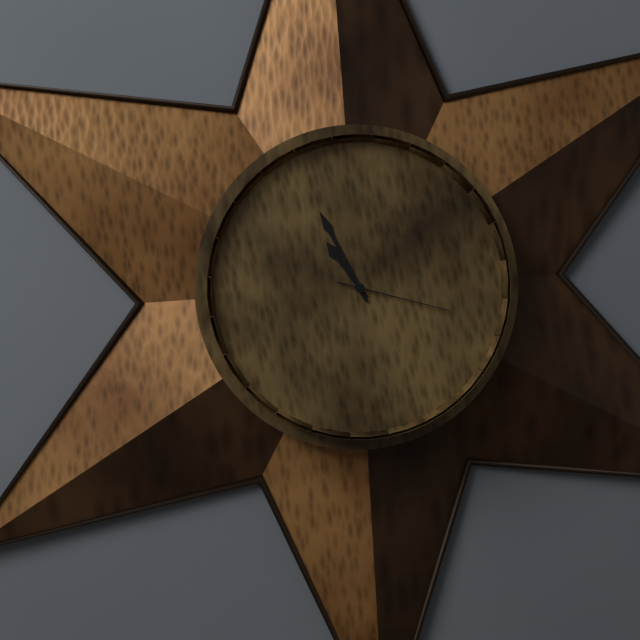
{"hour": 10, "minute": 56, "second": 18}
